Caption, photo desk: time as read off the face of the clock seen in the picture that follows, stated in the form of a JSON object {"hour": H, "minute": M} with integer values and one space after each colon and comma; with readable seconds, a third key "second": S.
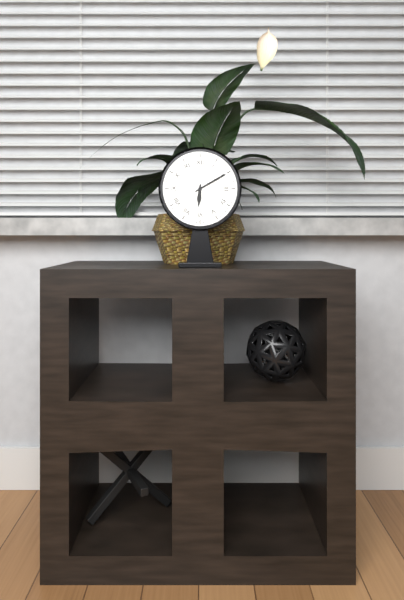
{"hour": 6, "minute": 10}
